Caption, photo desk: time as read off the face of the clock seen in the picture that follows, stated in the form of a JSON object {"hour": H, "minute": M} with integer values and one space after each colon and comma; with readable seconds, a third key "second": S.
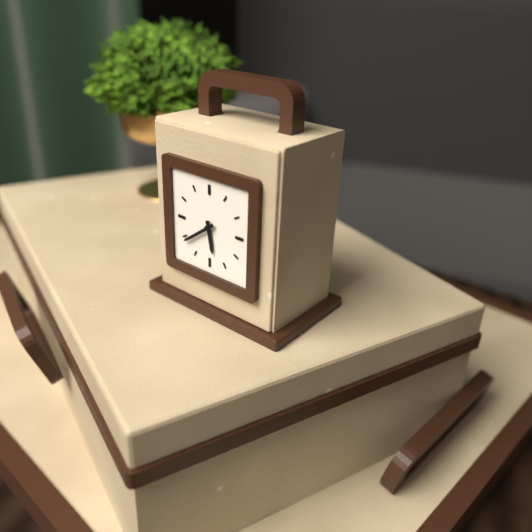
{"hour": 5, "minute": 39}
